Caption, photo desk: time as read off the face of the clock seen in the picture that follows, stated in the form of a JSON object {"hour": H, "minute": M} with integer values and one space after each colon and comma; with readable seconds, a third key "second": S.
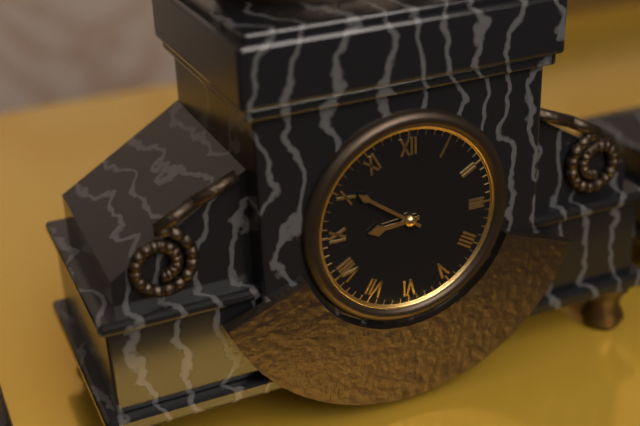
{"hour": 8, "minute": 51}
